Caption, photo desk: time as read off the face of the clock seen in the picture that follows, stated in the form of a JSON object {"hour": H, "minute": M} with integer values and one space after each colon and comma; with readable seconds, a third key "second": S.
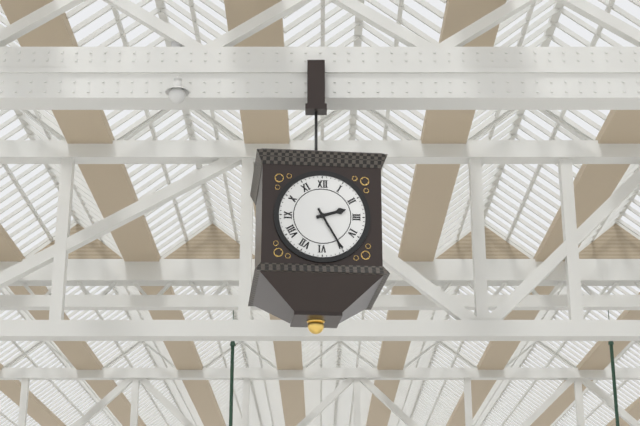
{"hour": 2, "minute": 25}
